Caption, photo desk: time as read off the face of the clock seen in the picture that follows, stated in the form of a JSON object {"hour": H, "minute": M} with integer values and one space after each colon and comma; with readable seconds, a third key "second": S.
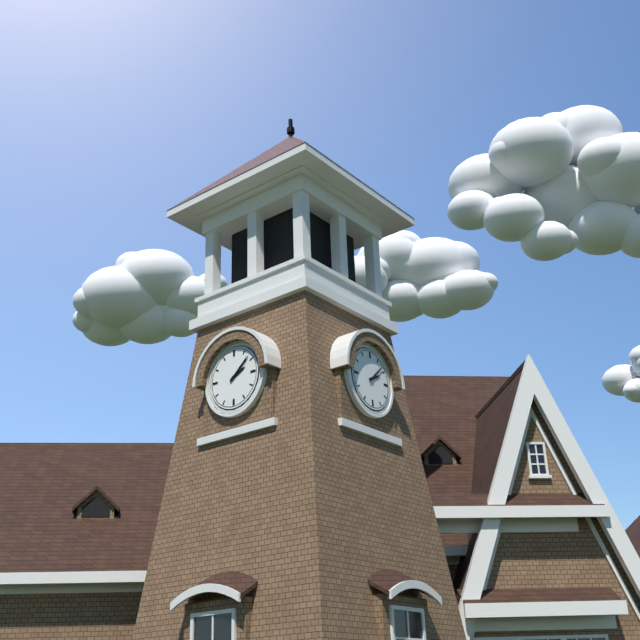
{"hour": 2, "minute": 8}
